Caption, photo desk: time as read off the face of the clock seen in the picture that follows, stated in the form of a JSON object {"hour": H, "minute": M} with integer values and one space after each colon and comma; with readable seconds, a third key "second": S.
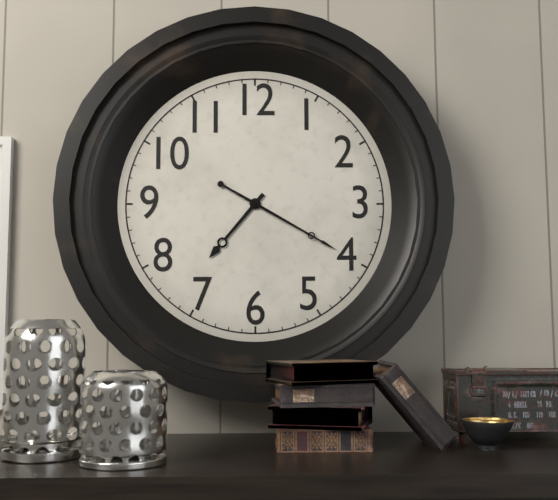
{"hour": 7, "minute": 20}
